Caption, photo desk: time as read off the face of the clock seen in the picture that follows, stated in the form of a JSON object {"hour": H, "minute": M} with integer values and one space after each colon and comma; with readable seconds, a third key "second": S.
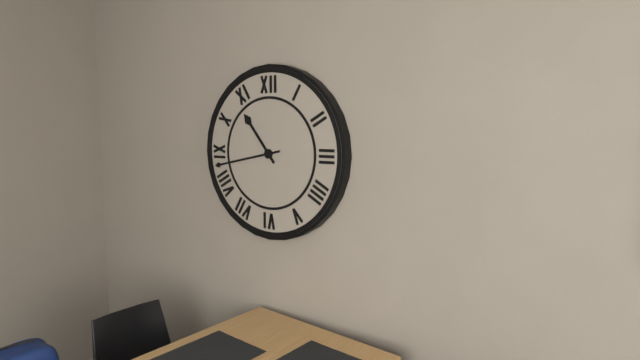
{"hour": 10, "minute": 43}
